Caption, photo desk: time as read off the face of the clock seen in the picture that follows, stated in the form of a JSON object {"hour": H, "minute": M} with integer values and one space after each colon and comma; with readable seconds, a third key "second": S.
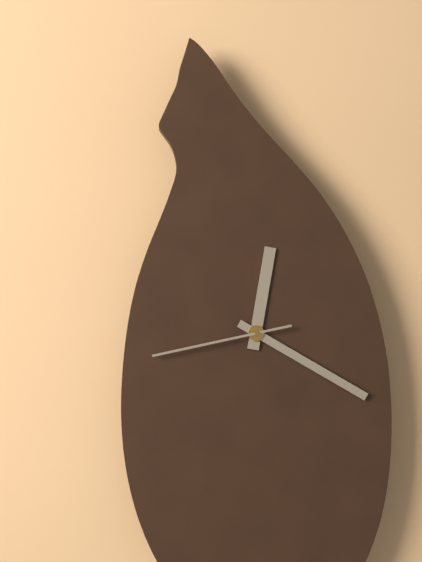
{"hour": 12, "minute": 20, "second": 43}
